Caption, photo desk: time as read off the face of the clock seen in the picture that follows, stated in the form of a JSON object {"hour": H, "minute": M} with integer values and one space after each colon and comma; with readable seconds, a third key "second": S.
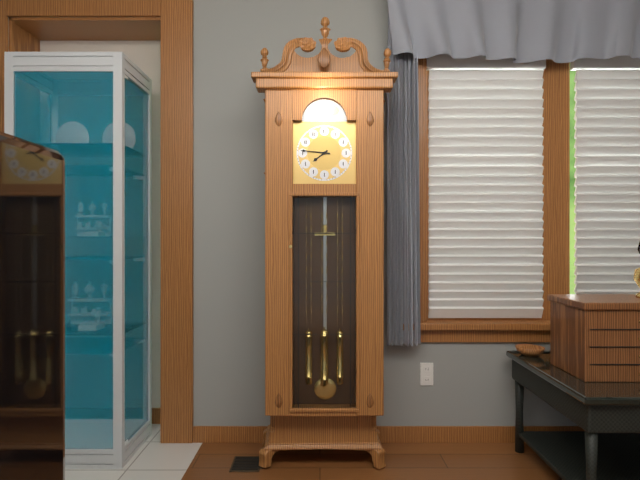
{"hour": 7, "minute": 46}
